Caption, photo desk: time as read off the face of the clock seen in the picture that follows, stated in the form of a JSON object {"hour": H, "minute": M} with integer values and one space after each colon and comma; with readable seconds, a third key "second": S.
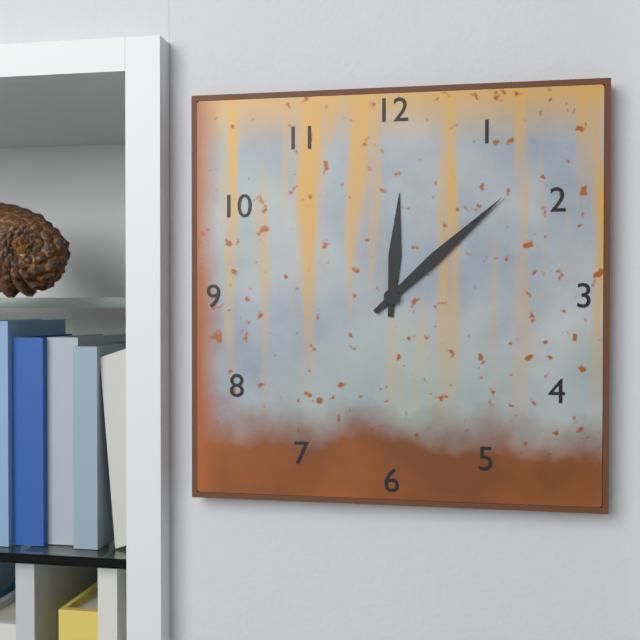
{"hour": 12, "minute": 8}
